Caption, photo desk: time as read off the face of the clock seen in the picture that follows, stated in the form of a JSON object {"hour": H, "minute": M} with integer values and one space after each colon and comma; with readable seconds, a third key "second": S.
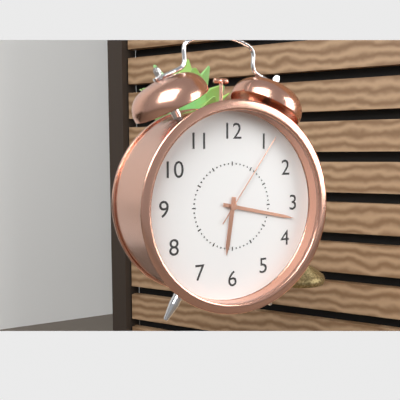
{"hour": 6, "minute": 17, "second": 6}
